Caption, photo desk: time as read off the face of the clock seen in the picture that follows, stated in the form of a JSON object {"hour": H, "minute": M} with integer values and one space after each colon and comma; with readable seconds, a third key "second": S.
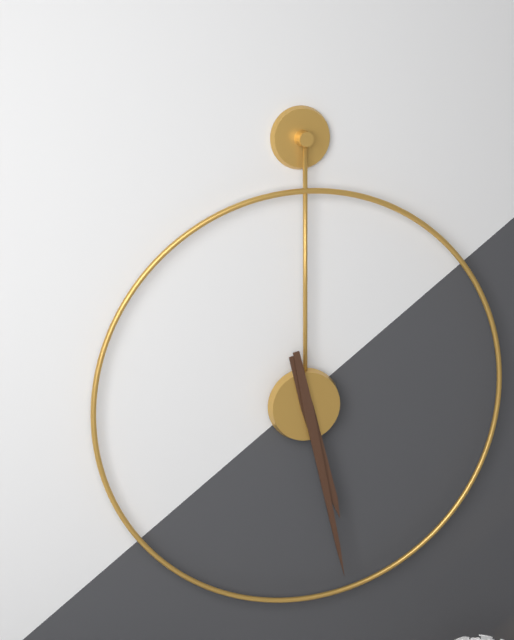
{"hour": 5, "minute": 28}
